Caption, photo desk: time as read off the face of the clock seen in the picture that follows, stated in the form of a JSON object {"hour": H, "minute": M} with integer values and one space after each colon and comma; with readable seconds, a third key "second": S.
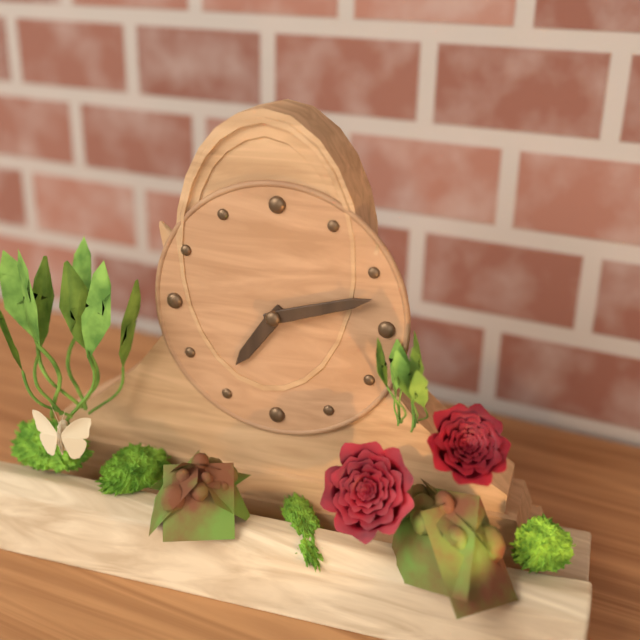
{"hour": 7, "minute": 12}
